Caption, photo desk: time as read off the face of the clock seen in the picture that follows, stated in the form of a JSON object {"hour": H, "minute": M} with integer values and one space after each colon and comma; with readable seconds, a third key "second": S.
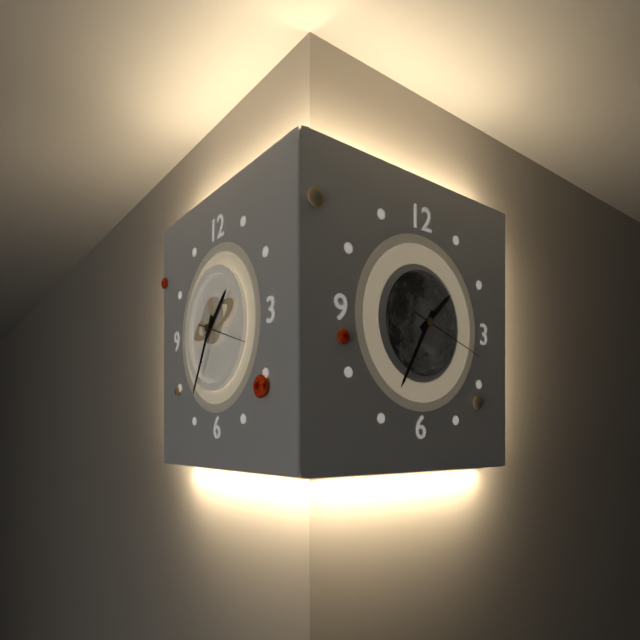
{"hour": 1, "minute": 35, "second": 18}
